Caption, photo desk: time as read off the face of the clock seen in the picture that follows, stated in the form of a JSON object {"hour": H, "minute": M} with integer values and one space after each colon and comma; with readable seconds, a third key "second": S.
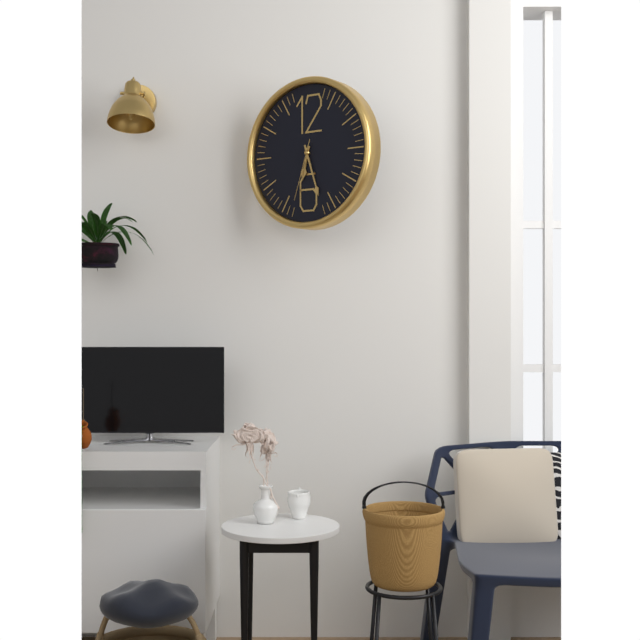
{"hour": 6, "minute": 27, "second": 33}
